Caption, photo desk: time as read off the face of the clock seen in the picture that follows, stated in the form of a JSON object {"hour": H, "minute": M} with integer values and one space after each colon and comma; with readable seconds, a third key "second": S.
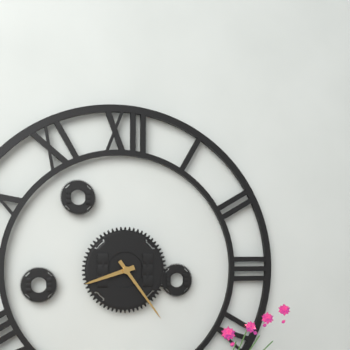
{"hour": 8, "minute": 24}
